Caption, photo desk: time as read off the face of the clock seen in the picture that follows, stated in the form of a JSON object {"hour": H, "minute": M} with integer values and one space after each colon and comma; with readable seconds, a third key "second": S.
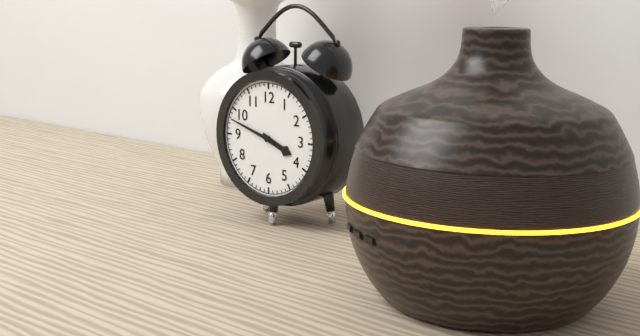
{"hour": 3, "minute": 48}
